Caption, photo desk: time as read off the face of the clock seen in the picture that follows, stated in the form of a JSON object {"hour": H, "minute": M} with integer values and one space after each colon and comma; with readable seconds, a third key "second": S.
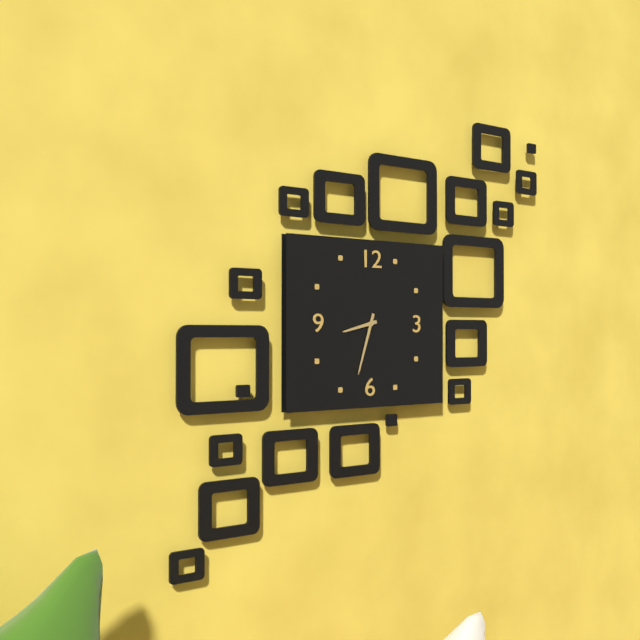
{"hour": 8, "minute": 33}
